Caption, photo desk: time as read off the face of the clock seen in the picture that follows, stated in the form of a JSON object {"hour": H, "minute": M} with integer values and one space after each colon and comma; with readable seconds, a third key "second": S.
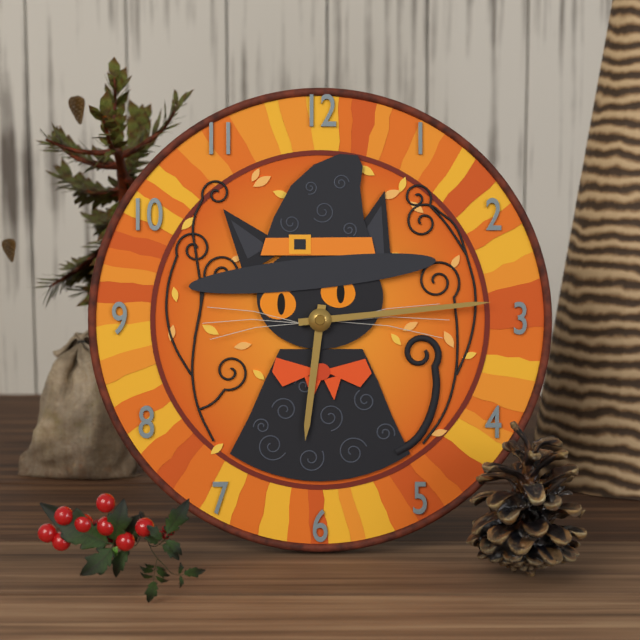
{"hour": 6, "minute": 14}
